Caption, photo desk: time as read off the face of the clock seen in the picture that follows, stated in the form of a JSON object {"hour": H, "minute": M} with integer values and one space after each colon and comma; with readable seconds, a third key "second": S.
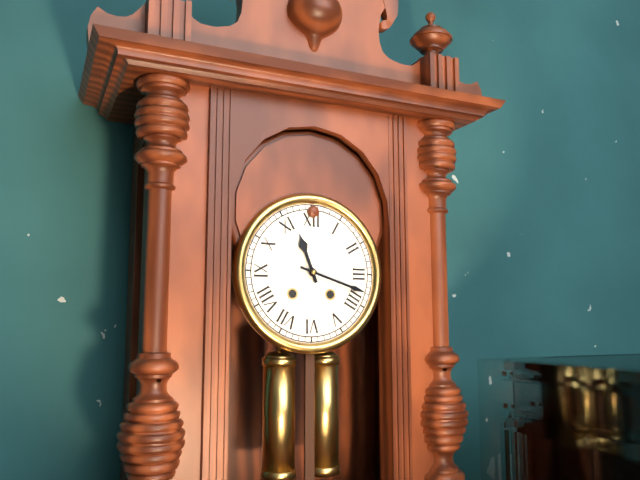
{"hour": 11, "minute": 18}
